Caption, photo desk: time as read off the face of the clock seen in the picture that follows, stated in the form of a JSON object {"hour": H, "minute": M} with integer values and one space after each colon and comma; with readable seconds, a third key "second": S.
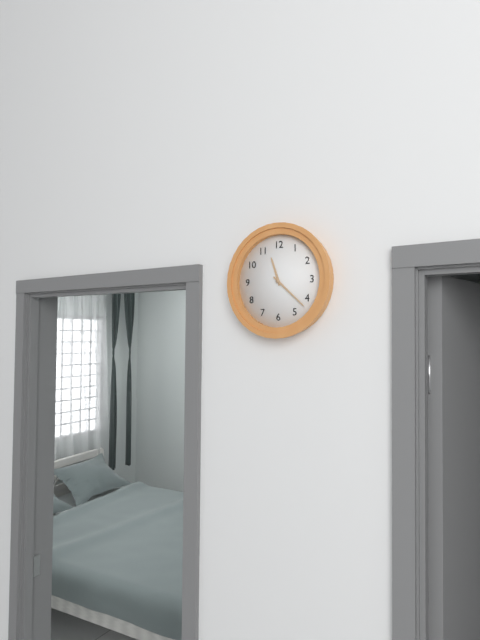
{"hour": 11, "minute": 22}
